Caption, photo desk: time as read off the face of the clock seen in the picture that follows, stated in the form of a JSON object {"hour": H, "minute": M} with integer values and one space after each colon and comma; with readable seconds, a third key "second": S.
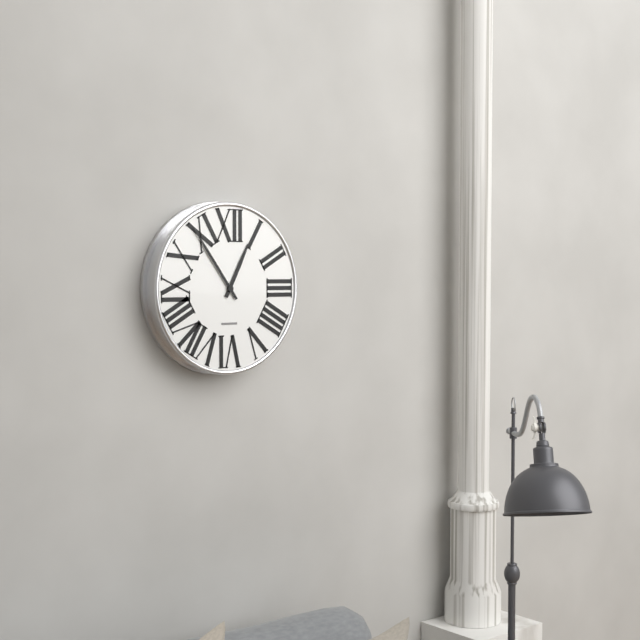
{"hour": 12, "minute": 54}
